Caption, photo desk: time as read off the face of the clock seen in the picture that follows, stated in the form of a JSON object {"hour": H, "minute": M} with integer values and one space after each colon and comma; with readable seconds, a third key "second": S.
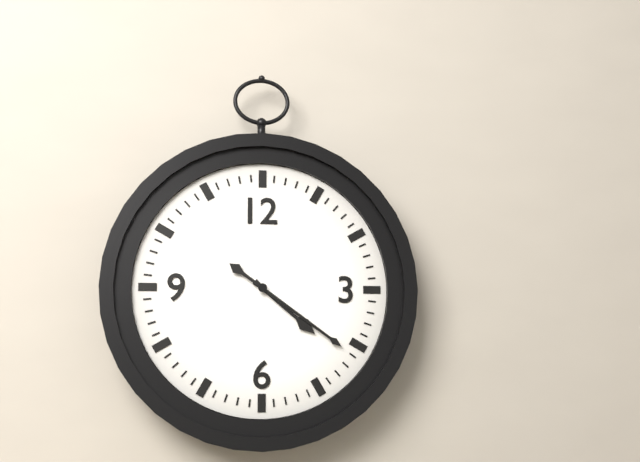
{"hour": 4, "minute": 21}
